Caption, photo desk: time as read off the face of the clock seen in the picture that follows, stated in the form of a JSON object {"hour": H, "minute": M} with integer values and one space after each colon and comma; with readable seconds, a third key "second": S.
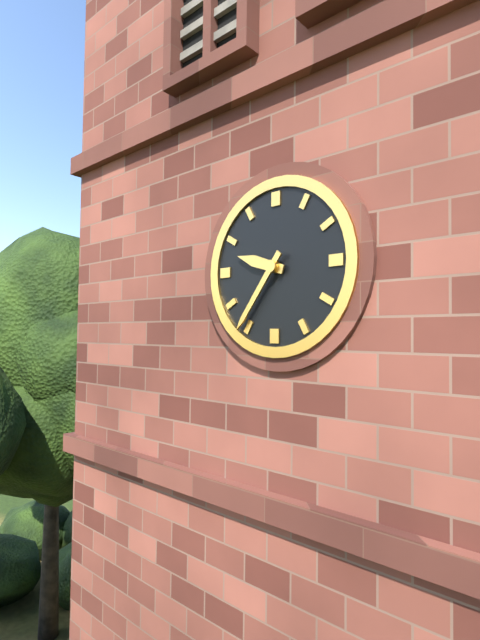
{"hour": 9, "minute": 36}
